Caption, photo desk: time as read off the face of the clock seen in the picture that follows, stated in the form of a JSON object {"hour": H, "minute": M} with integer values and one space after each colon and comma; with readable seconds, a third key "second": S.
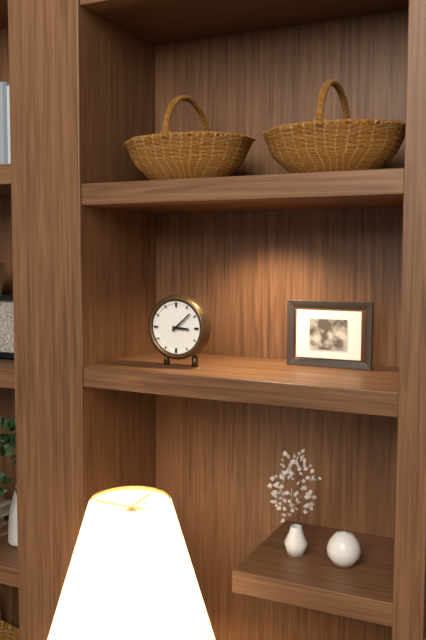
{"hour": 3, "minute": 8}
